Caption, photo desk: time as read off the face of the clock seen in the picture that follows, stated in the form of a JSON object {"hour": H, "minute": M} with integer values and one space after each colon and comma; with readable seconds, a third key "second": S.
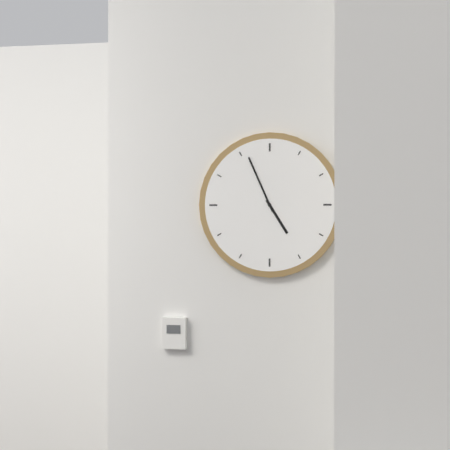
{"hour": 4, "minute": 56}
